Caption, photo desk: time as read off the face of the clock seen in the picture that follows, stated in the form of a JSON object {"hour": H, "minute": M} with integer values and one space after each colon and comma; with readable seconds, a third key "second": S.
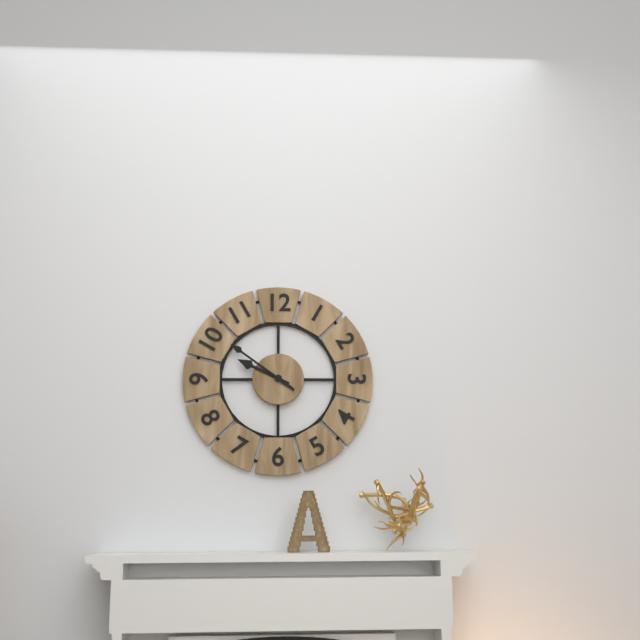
{"hour": 9, "minute": 51}
